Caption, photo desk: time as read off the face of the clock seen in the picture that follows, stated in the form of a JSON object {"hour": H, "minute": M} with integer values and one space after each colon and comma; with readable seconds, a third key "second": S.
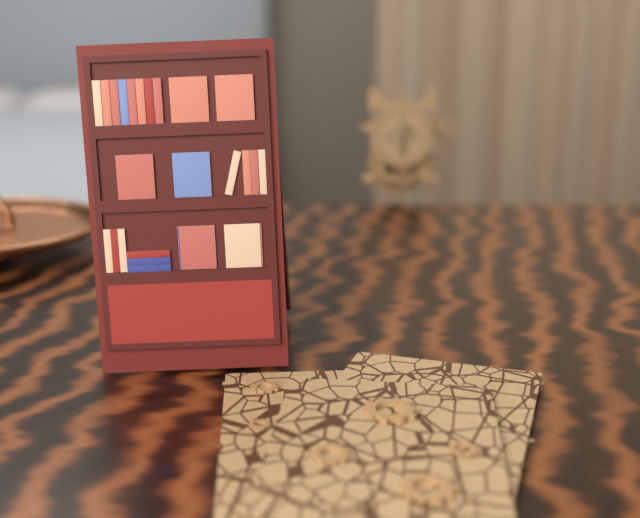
{"hour": 1, "minute": 29}
